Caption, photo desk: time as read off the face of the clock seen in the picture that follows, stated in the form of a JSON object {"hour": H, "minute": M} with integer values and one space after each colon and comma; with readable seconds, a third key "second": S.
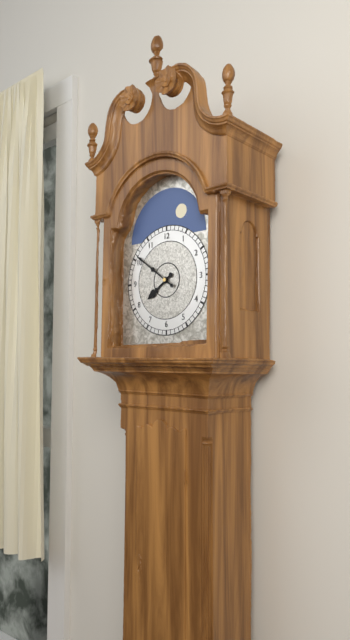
{"hour": 7, "minute": 51}
